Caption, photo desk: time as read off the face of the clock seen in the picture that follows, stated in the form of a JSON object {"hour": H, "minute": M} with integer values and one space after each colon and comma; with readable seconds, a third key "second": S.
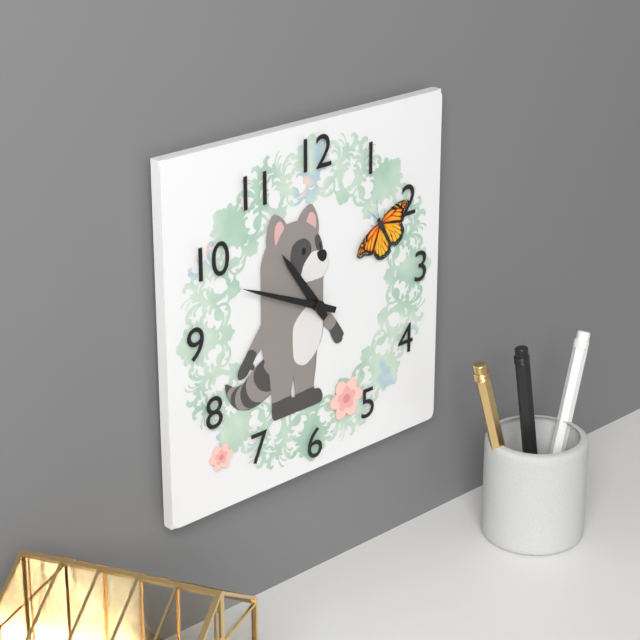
{"hour": 10, "minute": 49}
